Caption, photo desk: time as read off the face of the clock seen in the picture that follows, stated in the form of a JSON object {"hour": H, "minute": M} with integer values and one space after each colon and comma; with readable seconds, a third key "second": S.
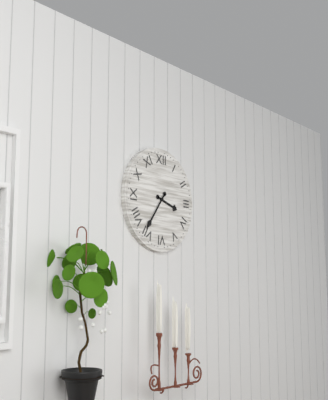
{"hour": 3, "minute": 36}
